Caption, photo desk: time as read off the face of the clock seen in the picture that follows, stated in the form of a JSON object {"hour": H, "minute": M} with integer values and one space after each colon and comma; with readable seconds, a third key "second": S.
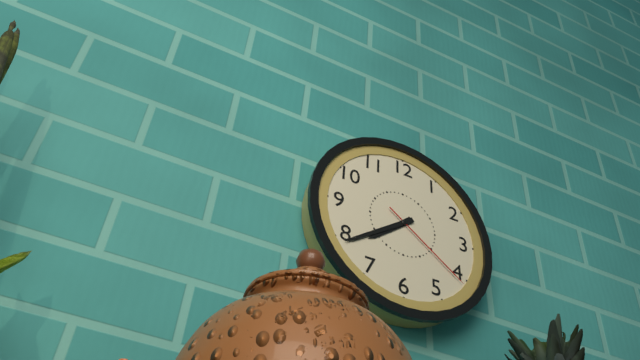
{"hour": 7, "minute": 39, "second": 21}
